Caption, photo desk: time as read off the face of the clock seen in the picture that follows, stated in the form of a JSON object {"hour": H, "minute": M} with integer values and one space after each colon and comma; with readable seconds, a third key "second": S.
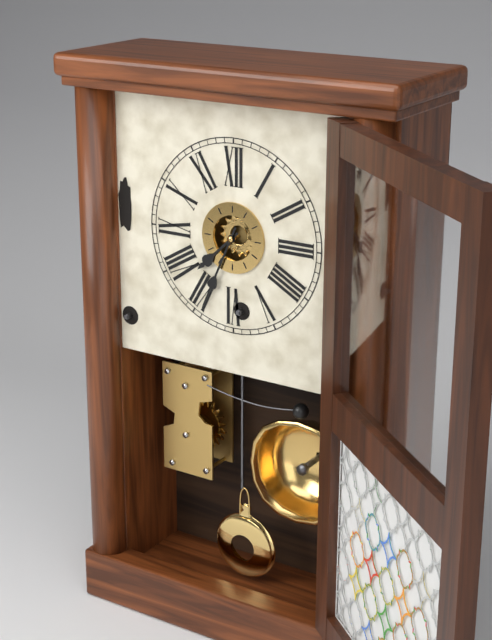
{"hour": 7, "minute": 34}
